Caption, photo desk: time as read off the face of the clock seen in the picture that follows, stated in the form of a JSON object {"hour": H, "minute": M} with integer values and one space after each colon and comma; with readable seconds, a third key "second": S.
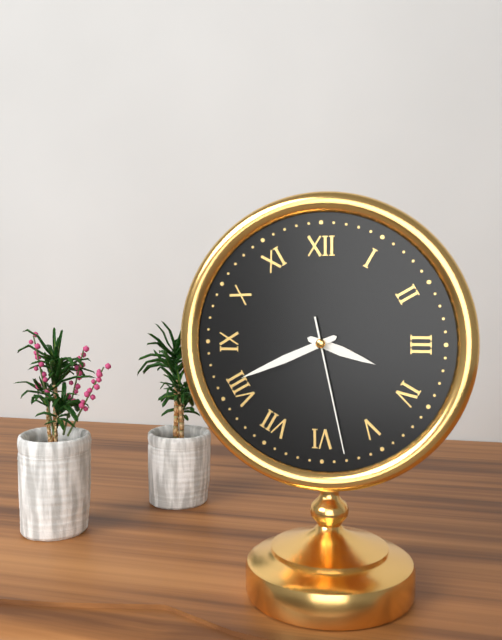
{"hour": 3, "minute": 41, "second": 28}
